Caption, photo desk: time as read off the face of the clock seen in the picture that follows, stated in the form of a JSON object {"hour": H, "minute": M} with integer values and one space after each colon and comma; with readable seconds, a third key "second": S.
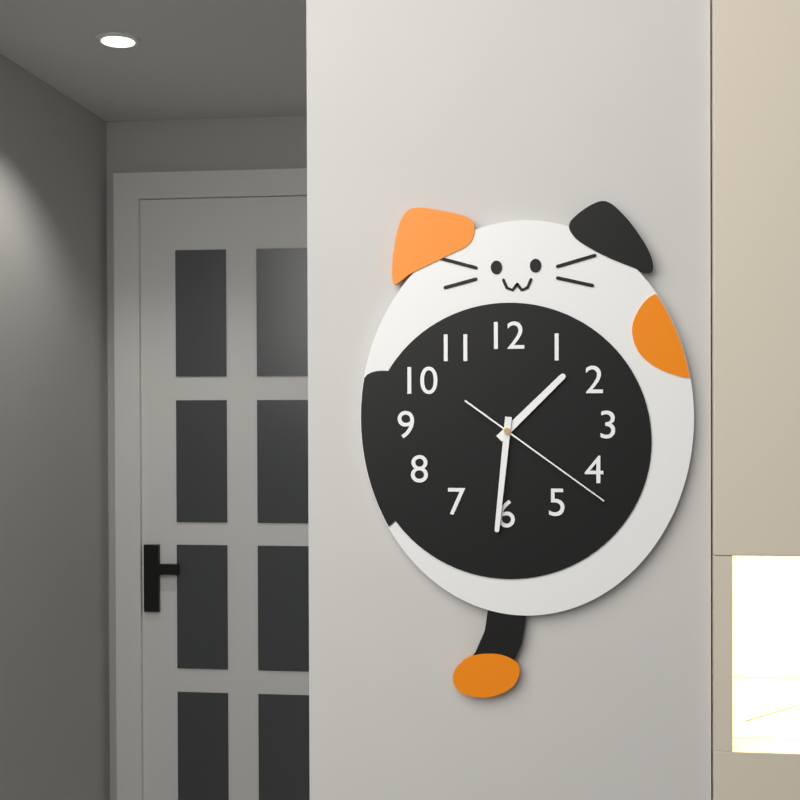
{"hour": 1, "minute": 31, "second": 21}
